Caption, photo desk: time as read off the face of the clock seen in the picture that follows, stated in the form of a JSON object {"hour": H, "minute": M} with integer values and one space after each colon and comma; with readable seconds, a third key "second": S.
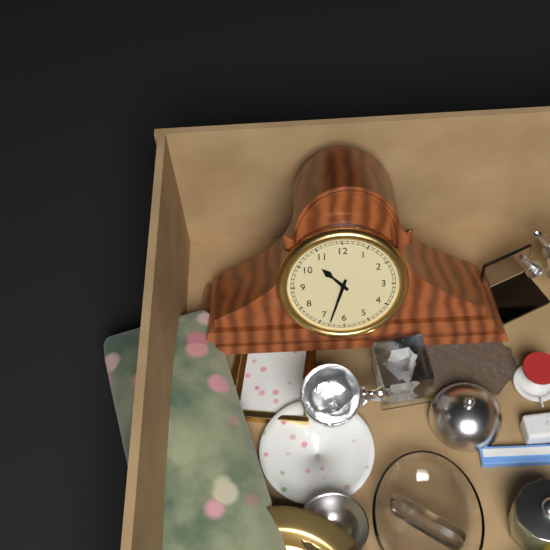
{"hour": 10, "minute": 33}
